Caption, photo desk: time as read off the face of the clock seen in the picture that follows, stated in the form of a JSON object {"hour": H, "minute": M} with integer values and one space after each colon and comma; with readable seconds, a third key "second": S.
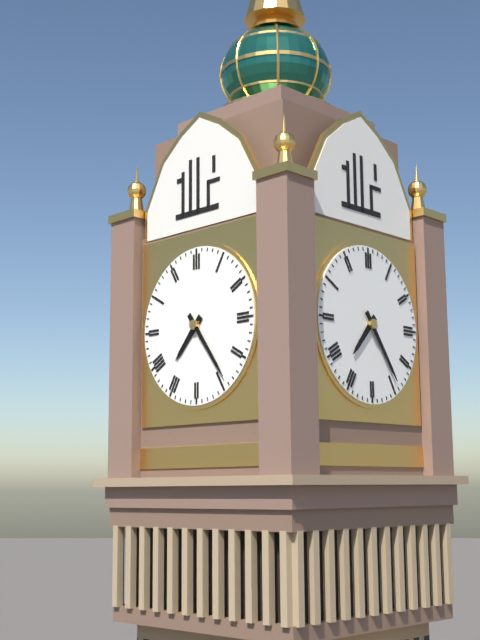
{"hour": 7, "minute": 24}
